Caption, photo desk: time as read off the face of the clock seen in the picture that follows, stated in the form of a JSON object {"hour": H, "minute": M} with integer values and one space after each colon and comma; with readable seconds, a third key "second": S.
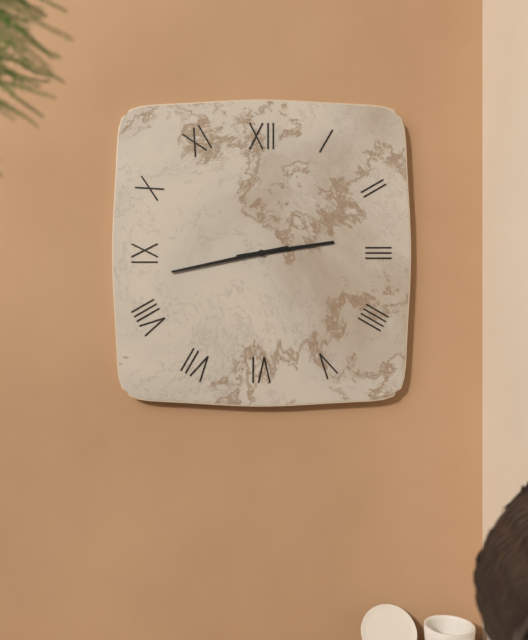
{"hour": 2, "minute": 43}
